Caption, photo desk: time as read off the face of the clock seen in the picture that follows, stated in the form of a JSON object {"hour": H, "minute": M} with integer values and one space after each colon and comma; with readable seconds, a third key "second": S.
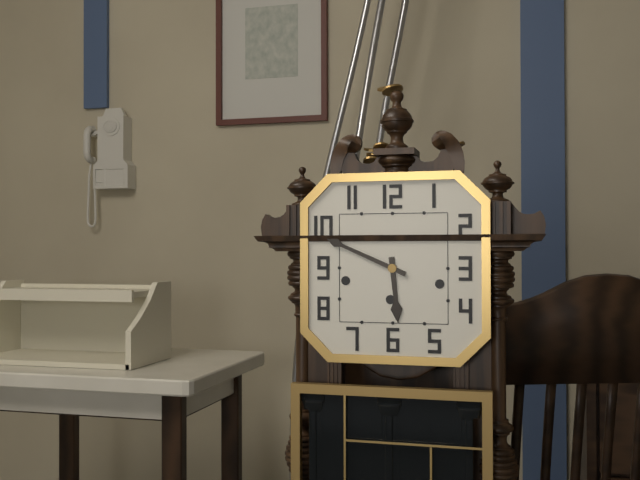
{"hour": 5, "minute": 49}
